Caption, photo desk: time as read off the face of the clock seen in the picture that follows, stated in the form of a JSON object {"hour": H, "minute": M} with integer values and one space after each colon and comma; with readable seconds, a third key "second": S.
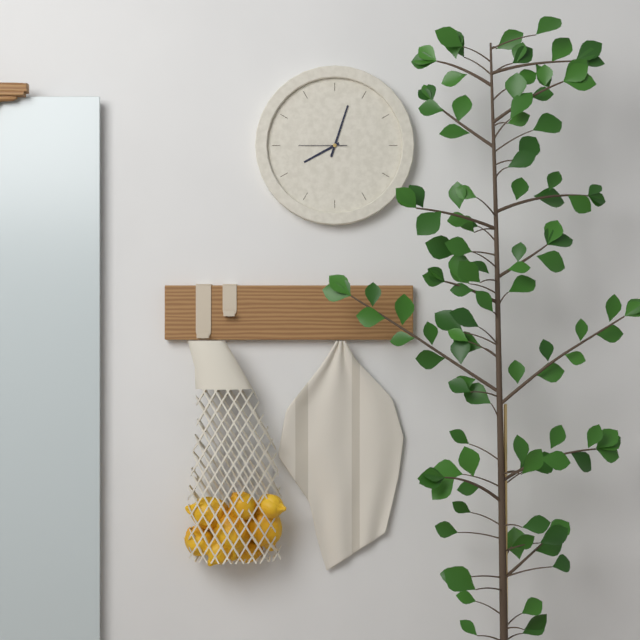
{"hour": 8, "minute": 3}
